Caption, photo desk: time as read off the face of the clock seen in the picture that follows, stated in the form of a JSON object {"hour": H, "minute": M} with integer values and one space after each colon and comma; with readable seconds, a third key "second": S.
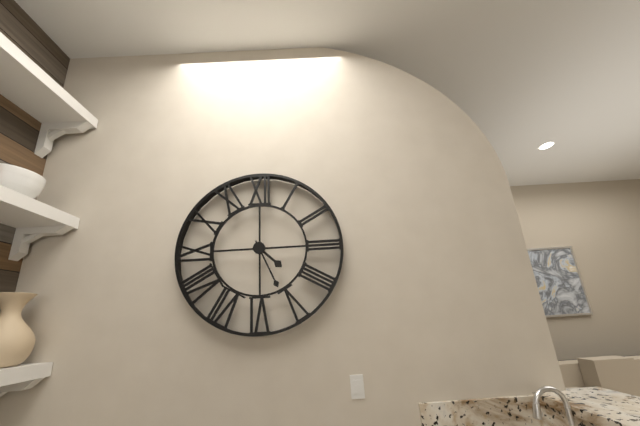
{"hour": 4, "minute": 26}
